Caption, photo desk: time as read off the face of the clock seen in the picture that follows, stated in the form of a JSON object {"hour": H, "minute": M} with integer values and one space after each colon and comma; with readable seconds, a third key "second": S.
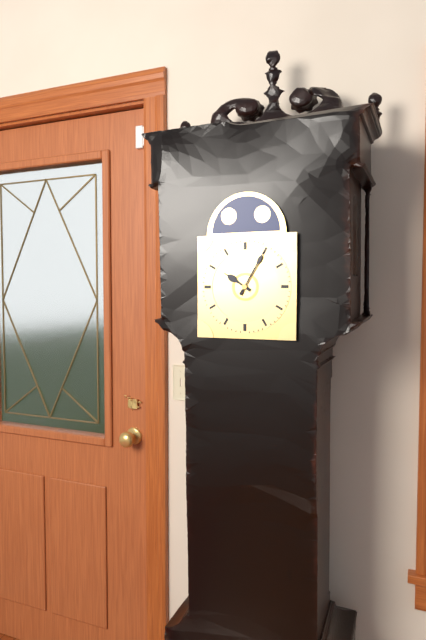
{"hour": 10, "minute": 5}
